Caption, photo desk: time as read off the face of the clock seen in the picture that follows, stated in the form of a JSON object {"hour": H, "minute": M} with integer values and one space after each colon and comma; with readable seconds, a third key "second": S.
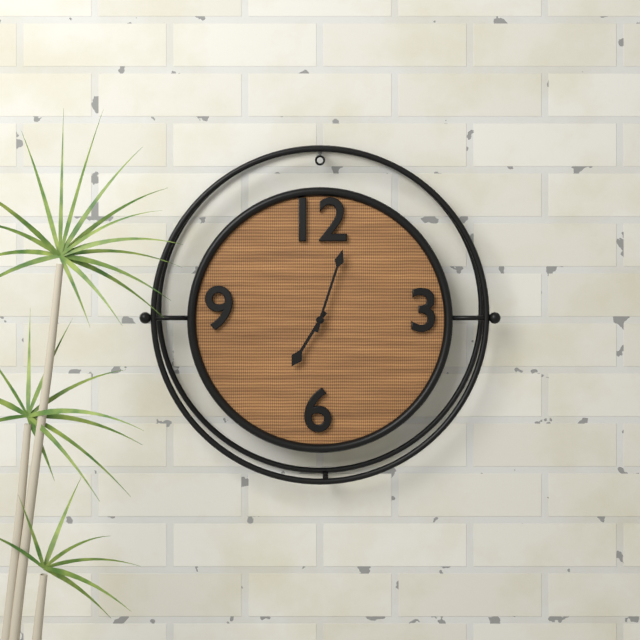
{"hour": 7, "minute": 3}
